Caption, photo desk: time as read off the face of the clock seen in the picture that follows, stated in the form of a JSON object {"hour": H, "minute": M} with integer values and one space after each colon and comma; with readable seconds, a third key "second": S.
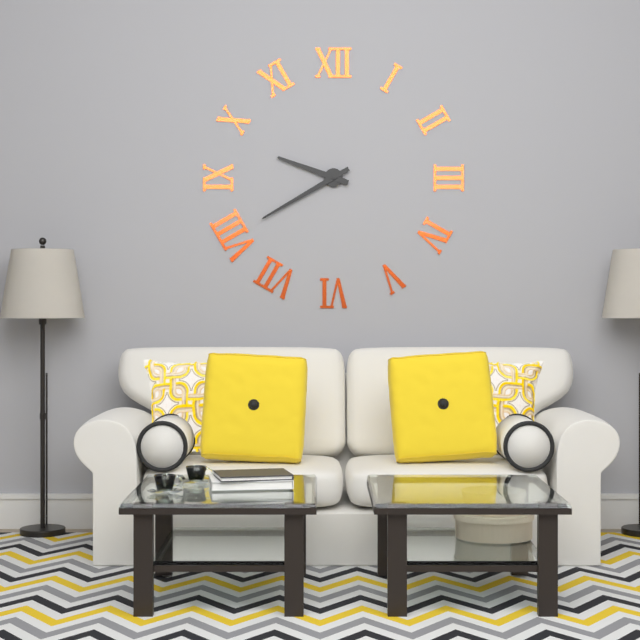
{"hour": 9, "minute": 40}
